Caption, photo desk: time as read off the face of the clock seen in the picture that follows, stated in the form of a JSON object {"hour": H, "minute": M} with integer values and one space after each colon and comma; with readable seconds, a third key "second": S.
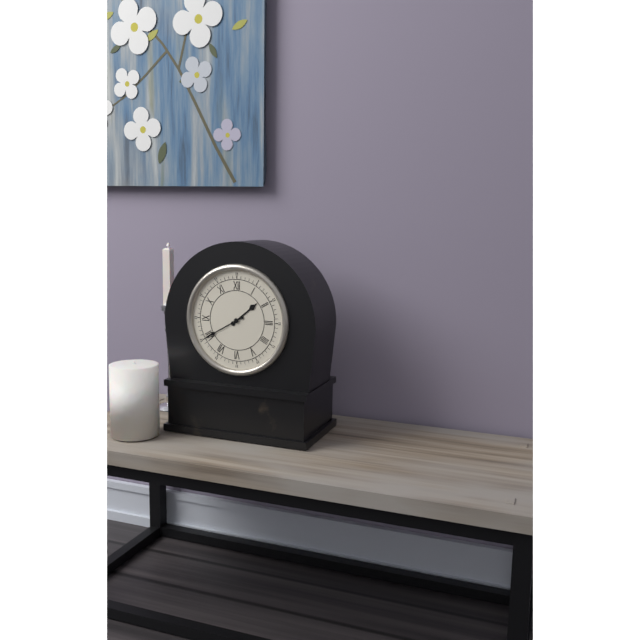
{"hour": 1, "minute": 40}
